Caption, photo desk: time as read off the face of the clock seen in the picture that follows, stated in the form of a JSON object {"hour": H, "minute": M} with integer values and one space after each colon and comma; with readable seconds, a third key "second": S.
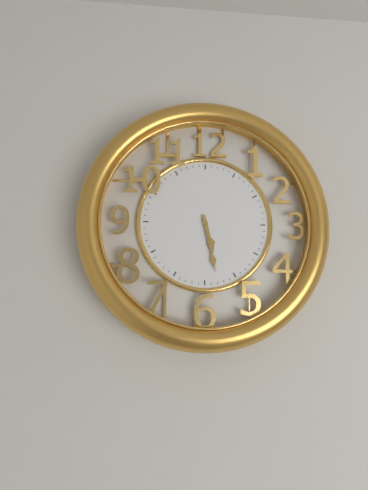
{"hour": 5, "minute": 28}
